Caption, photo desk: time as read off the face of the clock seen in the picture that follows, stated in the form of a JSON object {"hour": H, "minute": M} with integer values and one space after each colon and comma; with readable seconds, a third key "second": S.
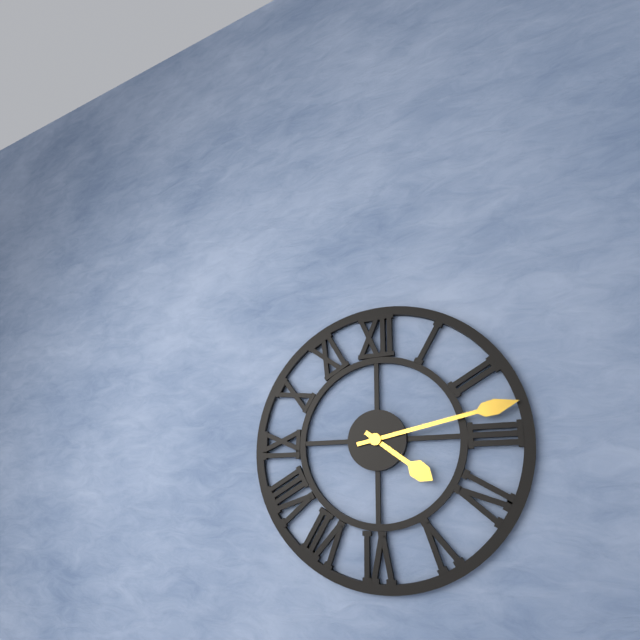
{"hour": 4, "minute": 13}
